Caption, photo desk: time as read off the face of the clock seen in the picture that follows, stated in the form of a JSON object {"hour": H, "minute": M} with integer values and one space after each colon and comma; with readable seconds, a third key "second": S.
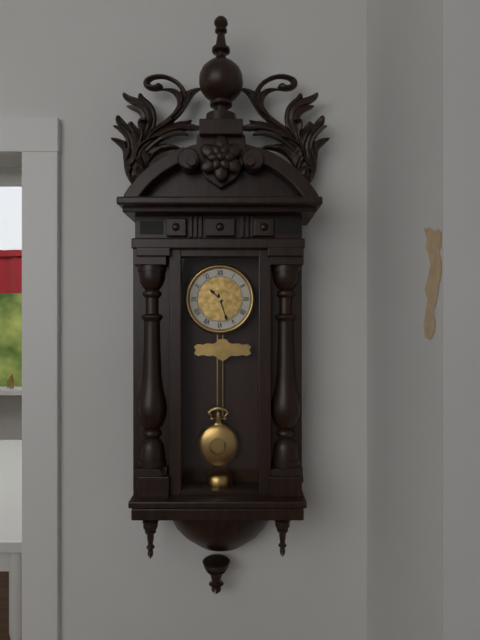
{"hour": 10, "minute": 27}
